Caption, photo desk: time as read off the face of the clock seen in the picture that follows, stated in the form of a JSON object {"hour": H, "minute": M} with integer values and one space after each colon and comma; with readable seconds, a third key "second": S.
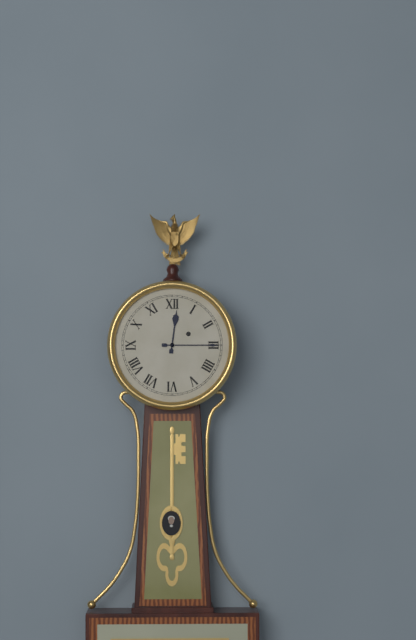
{"hour": 12, "minute": 15}
